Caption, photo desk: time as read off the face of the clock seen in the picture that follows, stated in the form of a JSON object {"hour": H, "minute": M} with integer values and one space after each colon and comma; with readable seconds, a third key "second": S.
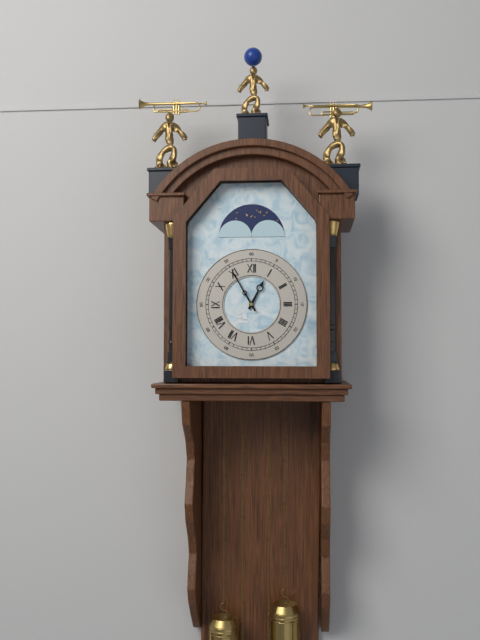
{"hour": 12, "minute": 55}
